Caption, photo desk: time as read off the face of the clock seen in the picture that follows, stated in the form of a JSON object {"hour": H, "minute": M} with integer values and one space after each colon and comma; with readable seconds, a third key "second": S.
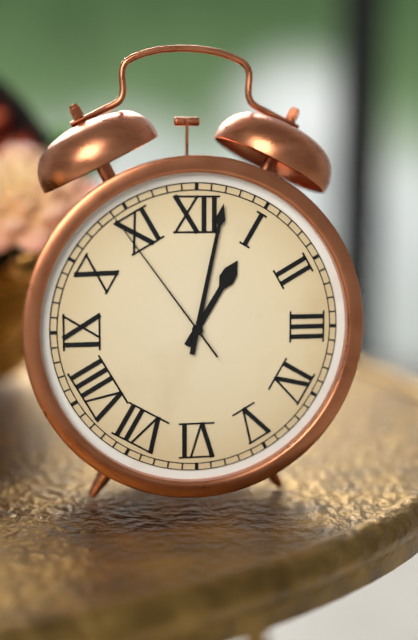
{"hour": 1, "minute": 2, "second": 54}
